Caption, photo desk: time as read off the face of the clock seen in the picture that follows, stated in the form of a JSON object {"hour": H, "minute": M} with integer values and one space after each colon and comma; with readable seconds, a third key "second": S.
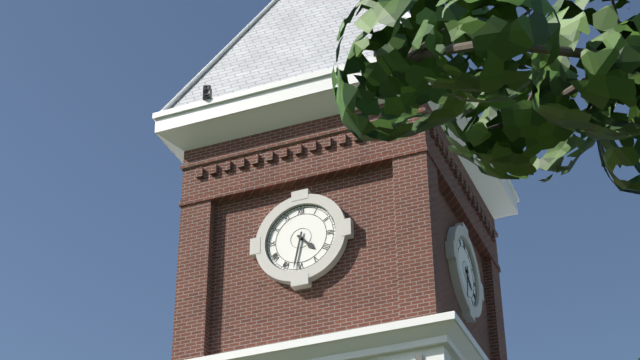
{"hour": 4, "minute": 32}
